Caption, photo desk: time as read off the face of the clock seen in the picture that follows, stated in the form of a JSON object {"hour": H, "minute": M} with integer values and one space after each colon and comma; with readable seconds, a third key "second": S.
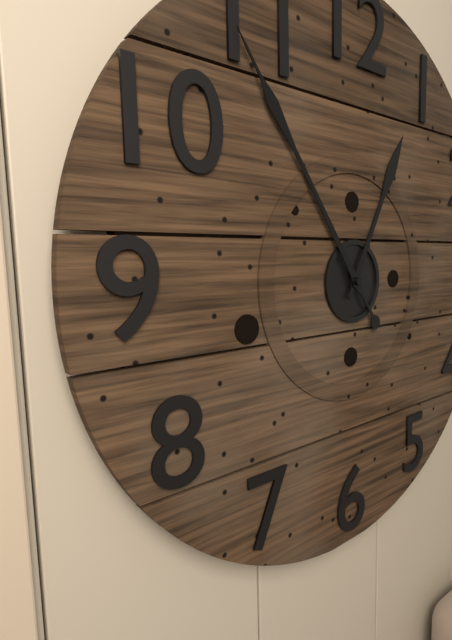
{"hour": 12, "minute": 54}
